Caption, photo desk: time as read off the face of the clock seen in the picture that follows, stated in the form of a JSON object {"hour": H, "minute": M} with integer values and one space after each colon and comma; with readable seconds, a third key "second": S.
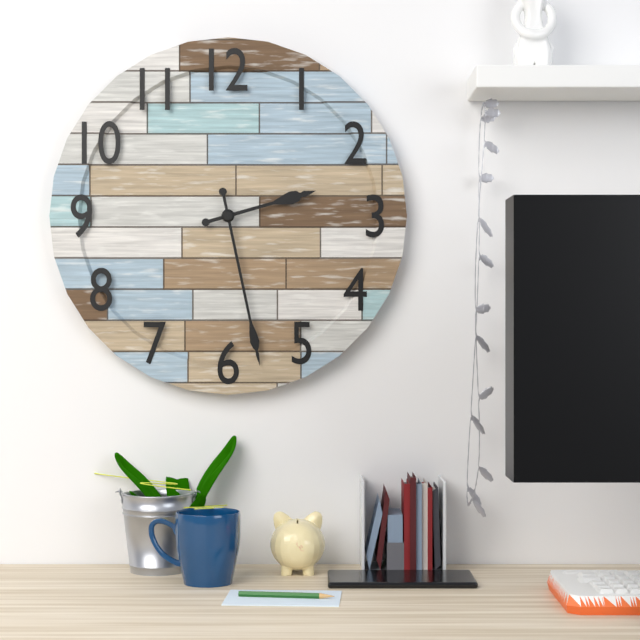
{"hour": 2, "minute": 28}
